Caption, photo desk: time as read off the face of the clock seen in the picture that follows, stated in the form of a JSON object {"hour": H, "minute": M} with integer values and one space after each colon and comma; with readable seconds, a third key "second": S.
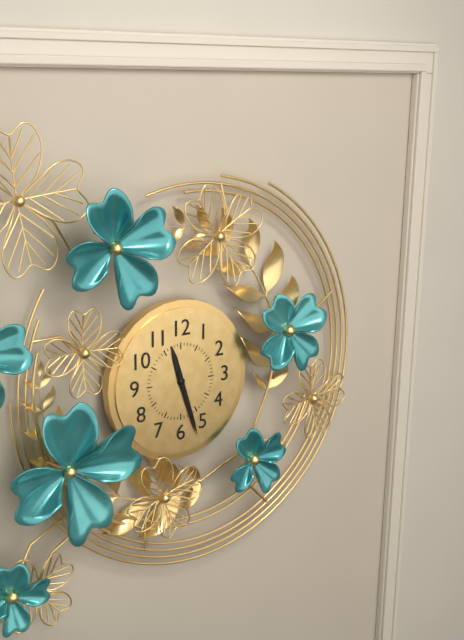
{"hour": 11, "minute": 27}
